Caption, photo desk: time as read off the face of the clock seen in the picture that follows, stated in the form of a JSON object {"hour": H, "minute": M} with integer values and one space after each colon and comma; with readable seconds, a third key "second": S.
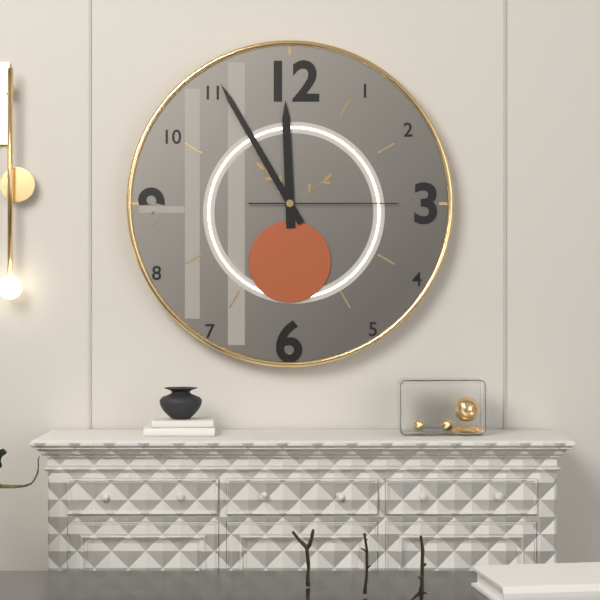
{"hour": 11, "minute": 55, "second": 15}
